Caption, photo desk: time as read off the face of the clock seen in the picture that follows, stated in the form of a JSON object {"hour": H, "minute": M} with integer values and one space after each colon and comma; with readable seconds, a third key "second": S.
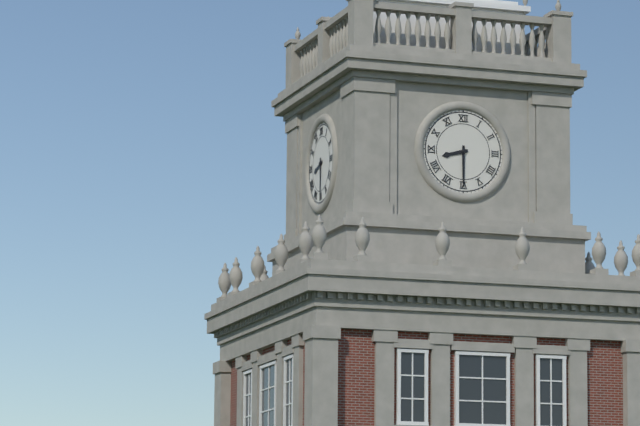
{"hour": 8, "minute": 30}
